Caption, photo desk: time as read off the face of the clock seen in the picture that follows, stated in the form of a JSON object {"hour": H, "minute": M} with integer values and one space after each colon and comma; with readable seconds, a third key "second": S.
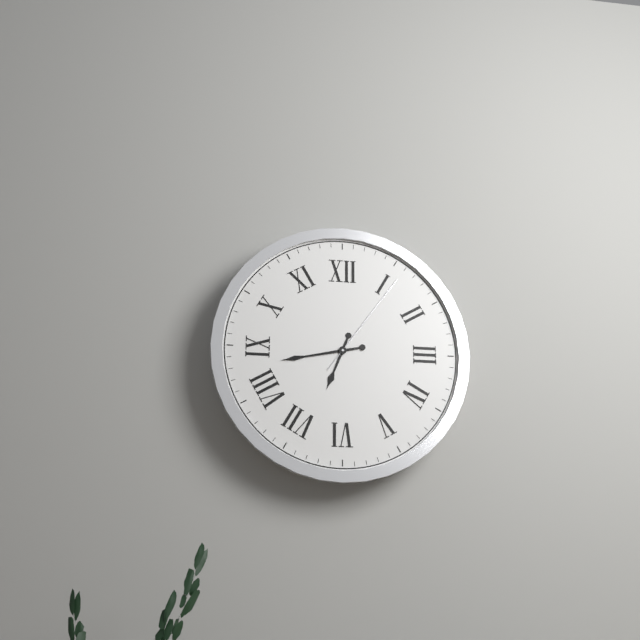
{"hour": 6, "minute": 43, "second": 6}
